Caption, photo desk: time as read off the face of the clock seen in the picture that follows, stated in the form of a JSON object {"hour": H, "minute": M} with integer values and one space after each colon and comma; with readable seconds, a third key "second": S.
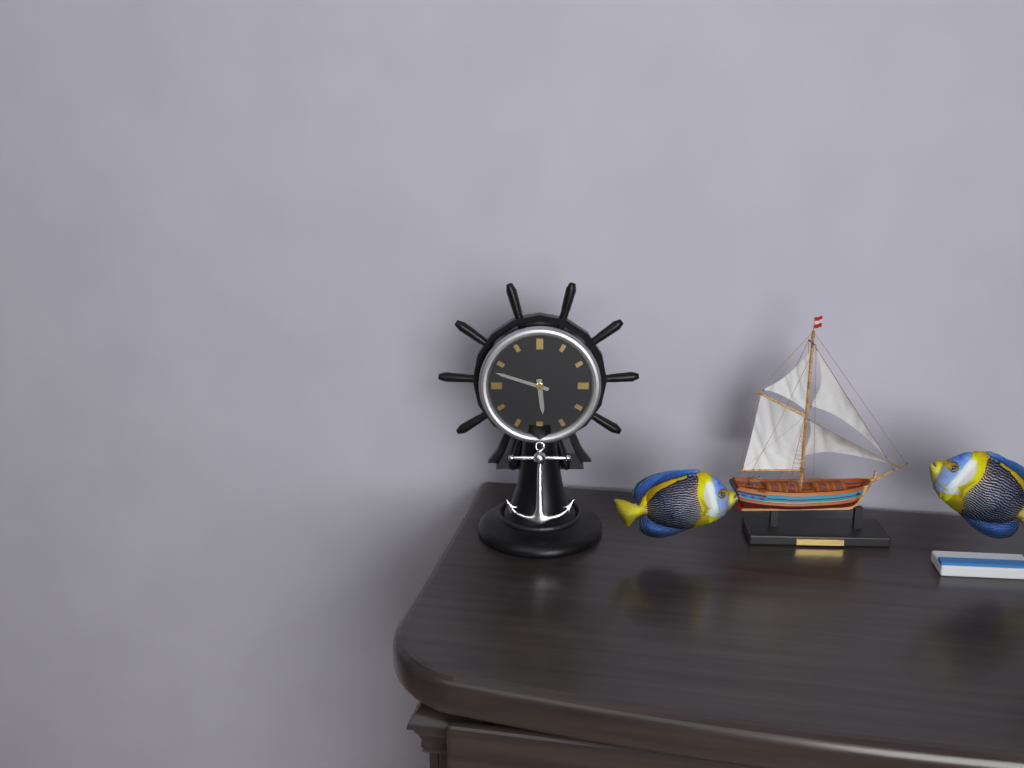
{"hour": 5, "minute": 48}
